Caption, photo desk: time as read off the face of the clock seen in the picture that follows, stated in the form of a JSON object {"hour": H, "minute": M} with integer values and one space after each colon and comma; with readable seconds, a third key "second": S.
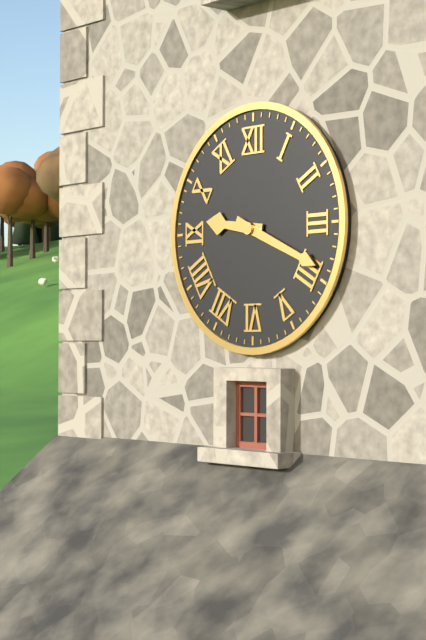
{"hour": 9, "minute": 19}
